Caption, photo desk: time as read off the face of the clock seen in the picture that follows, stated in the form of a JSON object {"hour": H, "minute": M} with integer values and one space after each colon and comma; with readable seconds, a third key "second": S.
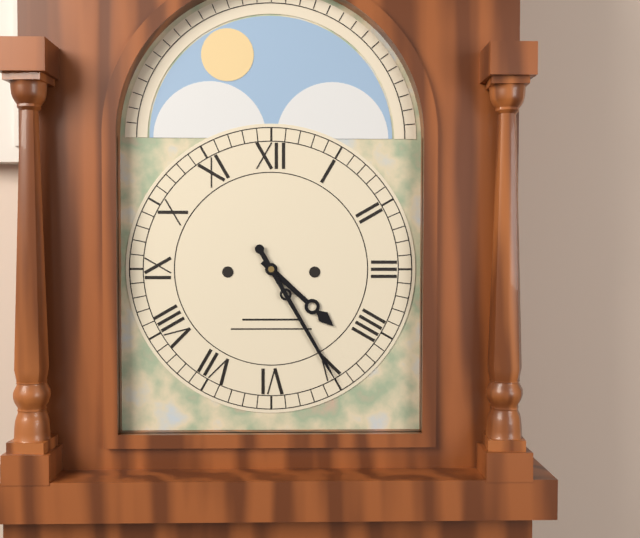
{"hour": 4, "minute": 25}
